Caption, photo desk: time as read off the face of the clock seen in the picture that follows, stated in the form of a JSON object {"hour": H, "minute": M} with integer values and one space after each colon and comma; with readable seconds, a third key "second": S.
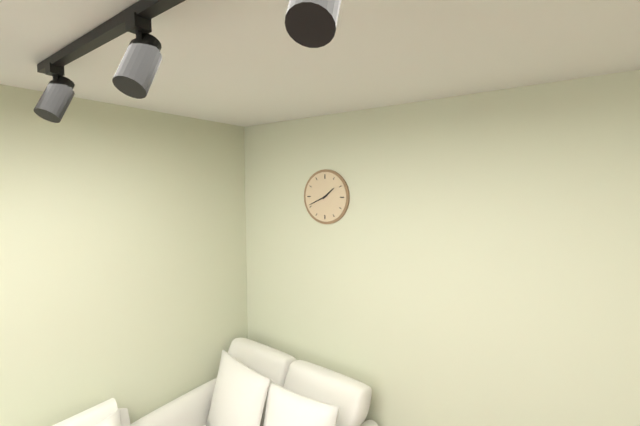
{"hour": 1, "minute": 41}
